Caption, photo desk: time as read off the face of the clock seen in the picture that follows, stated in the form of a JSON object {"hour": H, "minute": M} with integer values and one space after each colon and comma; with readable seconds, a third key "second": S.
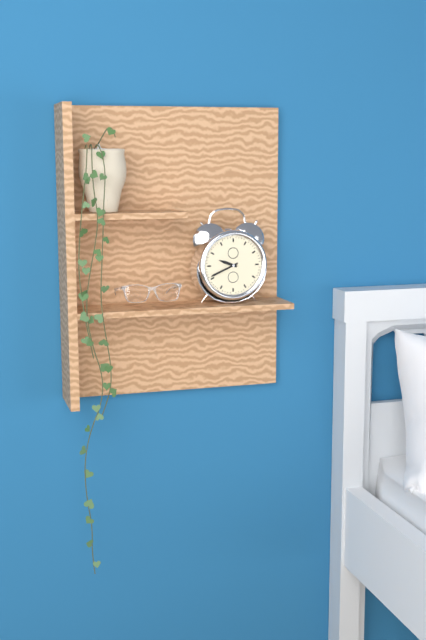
{"hour": 9, "minute": 41}
